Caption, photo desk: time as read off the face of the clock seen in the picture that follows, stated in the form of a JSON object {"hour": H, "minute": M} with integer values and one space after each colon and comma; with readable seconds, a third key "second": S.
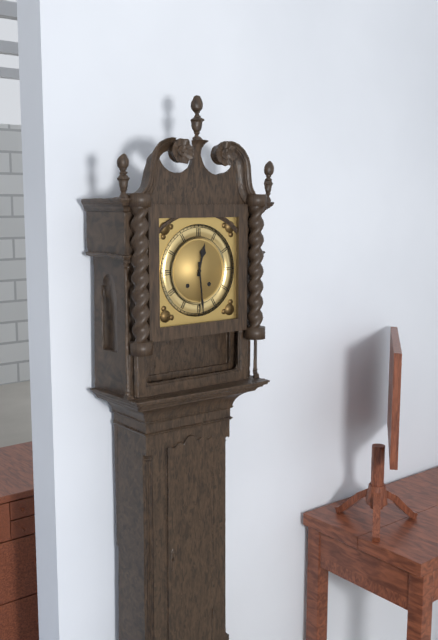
{"hour": 12, "minute": 29}
